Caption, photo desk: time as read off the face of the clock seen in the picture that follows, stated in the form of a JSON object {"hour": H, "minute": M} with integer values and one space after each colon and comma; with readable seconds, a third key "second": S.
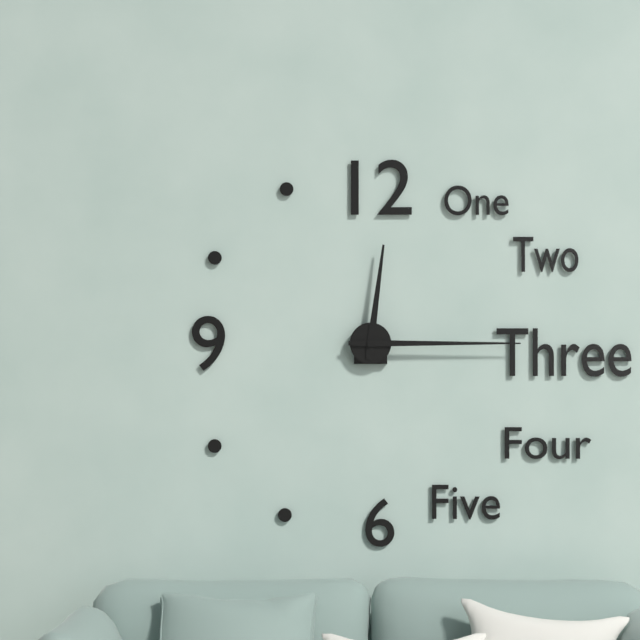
{"hour": 12, "minute": 15}
